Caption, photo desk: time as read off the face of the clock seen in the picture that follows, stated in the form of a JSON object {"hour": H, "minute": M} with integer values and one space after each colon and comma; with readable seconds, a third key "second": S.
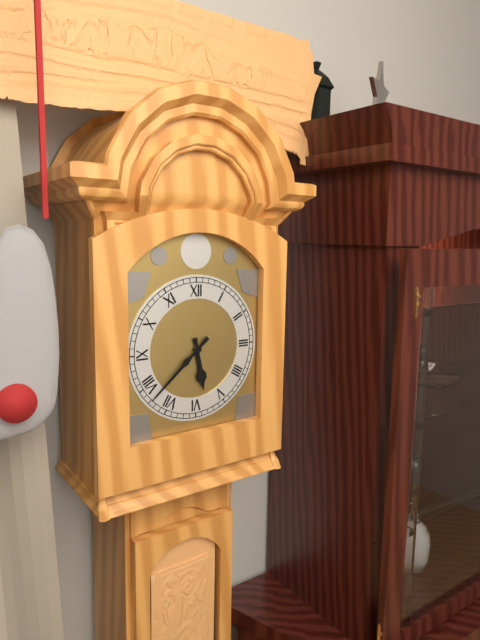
{"hour": 5, "minute": 38}
